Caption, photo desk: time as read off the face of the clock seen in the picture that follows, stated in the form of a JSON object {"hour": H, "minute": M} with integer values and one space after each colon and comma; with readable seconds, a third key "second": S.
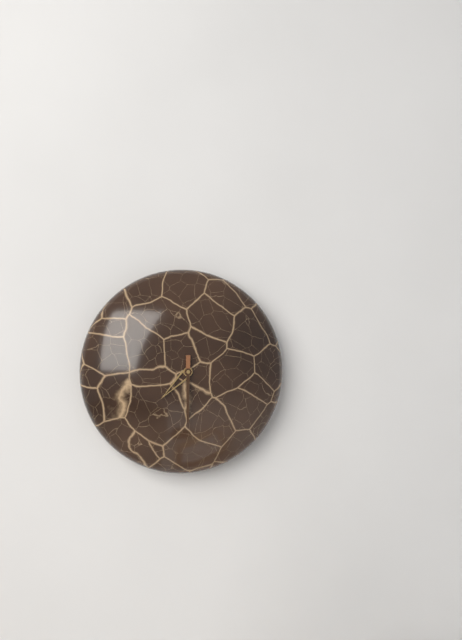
{"hour": 7, "minute": 30}
